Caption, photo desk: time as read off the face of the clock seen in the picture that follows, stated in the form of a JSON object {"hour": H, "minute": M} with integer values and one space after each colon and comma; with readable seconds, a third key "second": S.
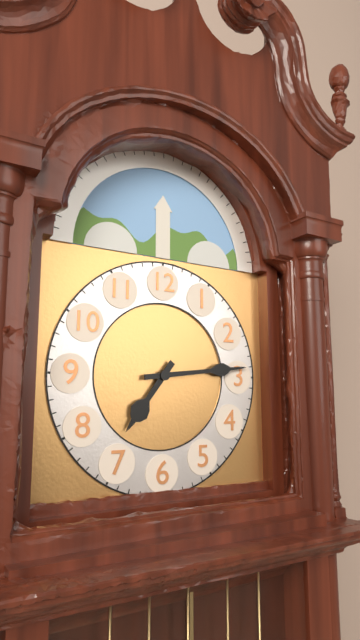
{"hour": 7, "minute": 14}
